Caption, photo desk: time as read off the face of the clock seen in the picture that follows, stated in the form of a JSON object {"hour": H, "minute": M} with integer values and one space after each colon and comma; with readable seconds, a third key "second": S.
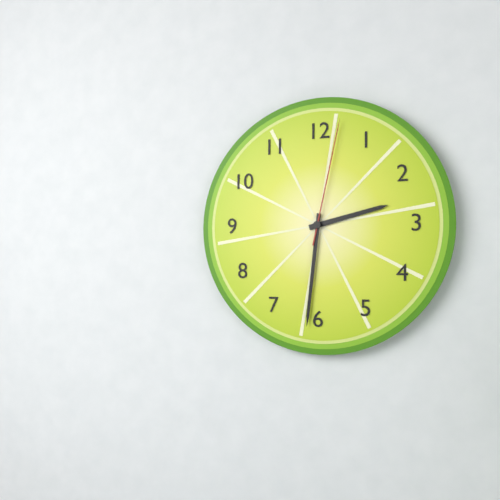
{"hour": 2, "minute": 31, "second": 2}
